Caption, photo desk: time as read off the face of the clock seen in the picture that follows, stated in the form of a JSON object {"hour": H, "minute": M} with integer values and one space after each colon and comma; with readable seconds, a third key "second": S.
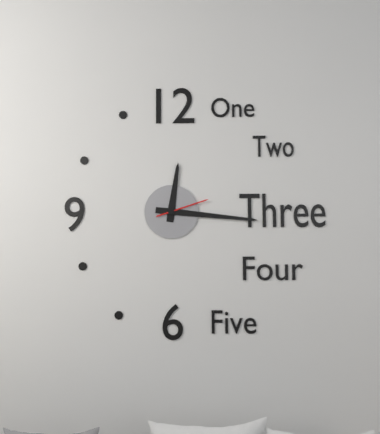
{"hour": 12, "minute": 16}
